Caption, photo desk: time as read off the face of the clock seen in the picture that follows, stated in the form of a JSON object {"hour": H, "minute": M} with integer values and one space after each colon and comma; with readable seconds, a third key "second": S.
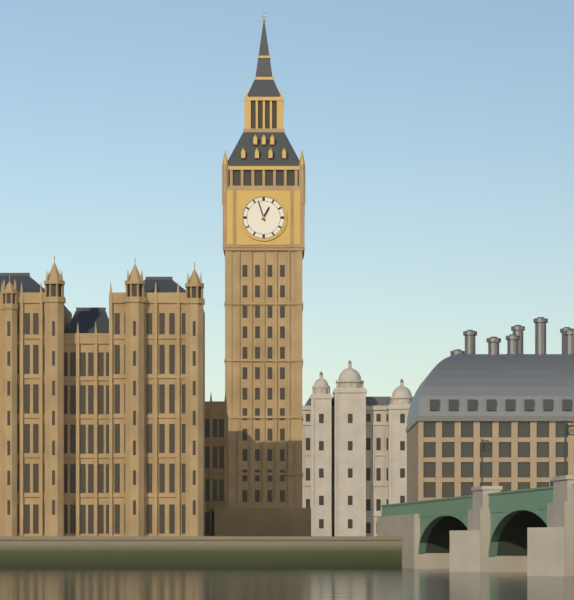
{"hour": 12, "minute": 57}
